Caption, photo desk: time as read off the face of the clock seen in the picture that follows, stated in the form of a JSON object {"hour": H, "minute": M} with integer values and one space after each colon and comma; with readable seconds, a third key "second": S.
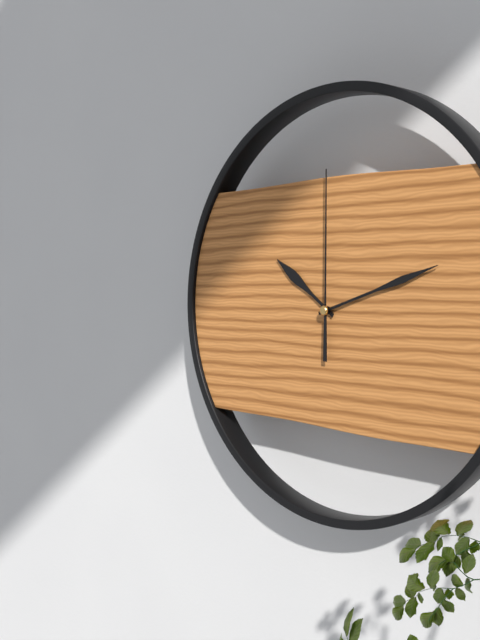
{"hour": 10, "minute": 12, "second": 0}
